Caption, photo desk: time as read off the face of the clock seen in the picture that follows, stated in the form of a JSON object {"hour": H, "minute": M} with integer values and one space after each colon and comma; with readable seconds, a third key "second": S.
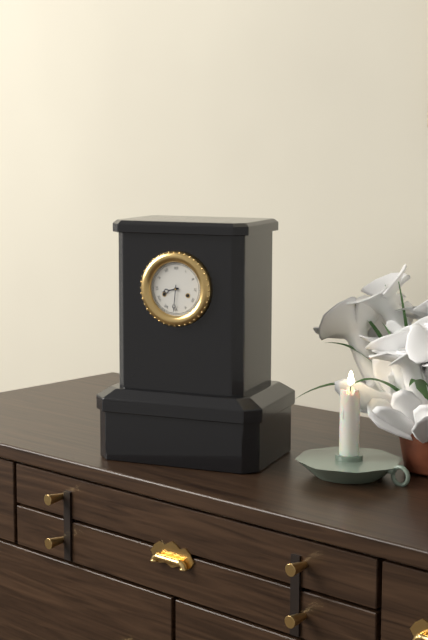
{"hour": 8, "minute": 31}
